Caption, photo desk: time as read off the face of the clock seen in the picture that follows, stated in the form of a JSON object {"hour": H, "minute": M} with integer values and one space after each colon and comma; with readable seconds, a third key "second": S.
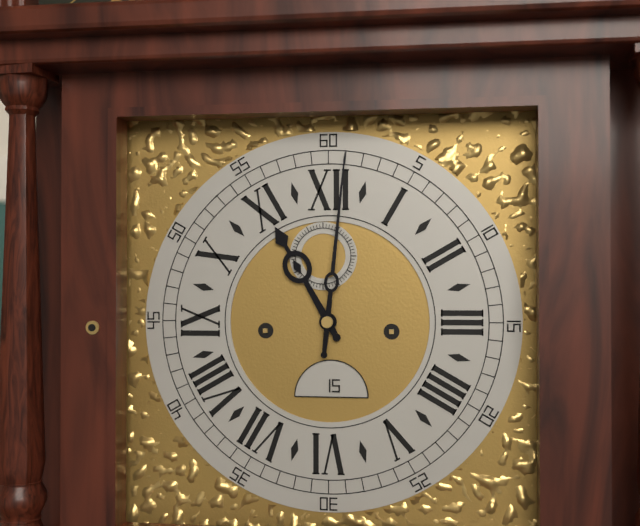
{"hour": 11, "minute": 1}
